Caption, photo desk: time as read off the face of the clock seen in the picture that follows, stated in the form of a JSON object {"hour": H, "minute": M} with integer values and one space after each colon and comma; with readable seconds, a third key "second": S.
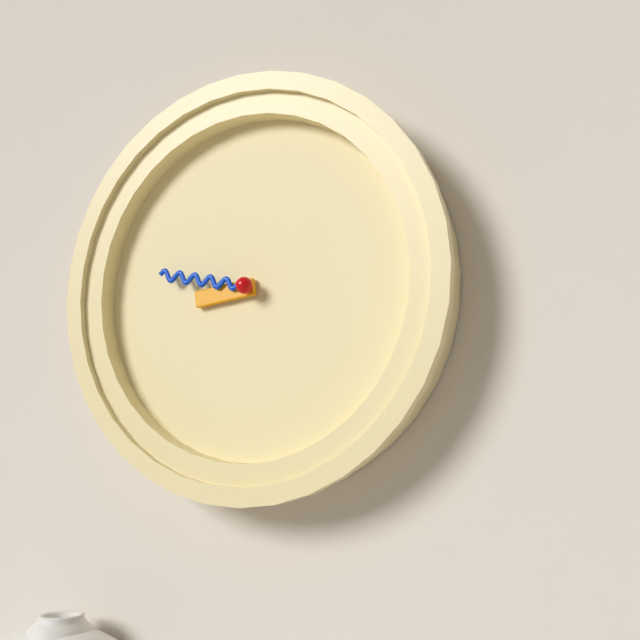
{"hour": 8, "minute": 47}
